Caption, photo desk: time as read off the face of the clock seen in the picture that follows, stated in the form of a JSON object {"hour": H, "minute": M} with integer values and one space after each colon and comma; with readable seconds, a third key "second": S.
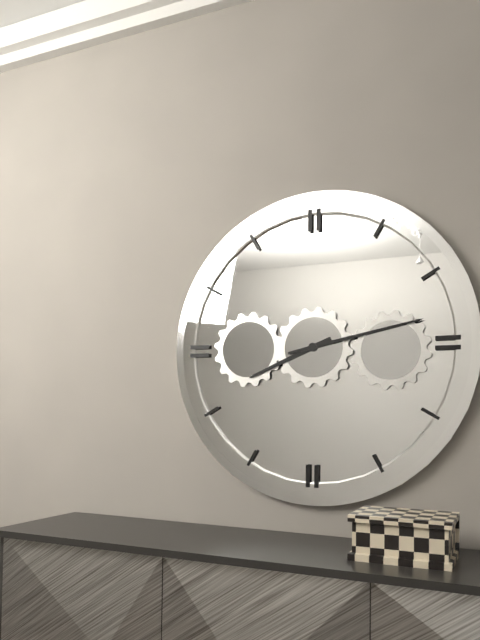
{"hour": 8, "minute": 13}
